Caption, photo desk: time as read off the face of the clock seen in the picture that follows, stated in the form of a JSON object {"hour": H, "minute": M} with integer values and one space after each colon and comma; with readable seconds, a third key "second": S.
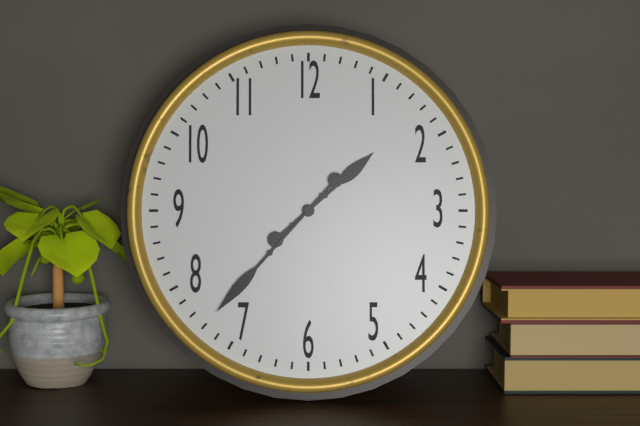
{"hour": 1, "minute": 37}
